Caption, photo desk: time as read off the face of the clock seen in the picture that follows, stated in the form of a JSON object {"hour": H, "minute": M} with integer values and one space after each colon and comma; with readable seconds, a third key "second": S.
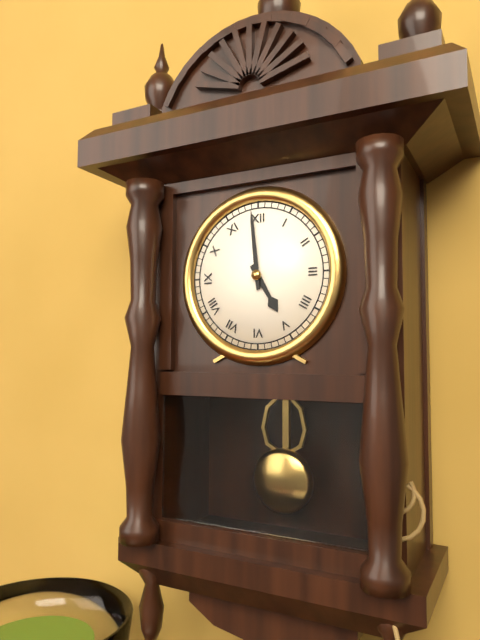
{"hour": 4, "minute": 59}
